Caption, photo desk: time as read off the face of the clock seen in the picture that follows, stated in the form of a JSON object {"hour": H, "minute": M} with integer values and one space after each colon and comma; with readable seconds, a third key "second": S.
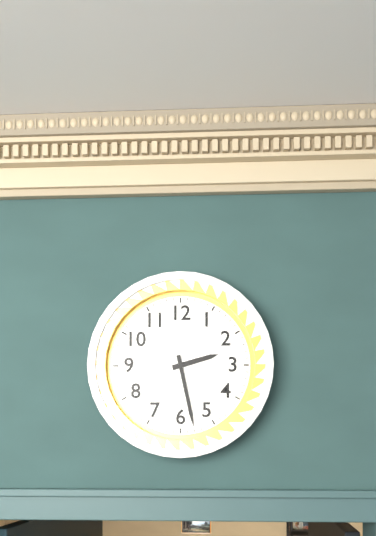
{"hour": 2, "minute": 28}
